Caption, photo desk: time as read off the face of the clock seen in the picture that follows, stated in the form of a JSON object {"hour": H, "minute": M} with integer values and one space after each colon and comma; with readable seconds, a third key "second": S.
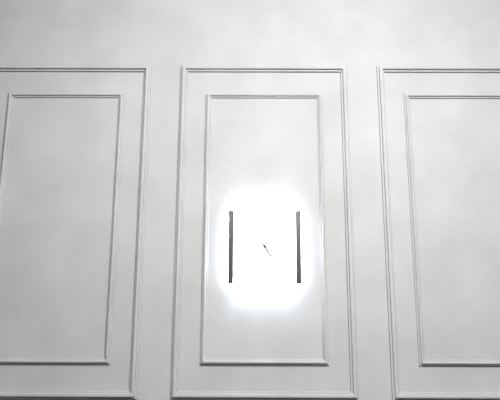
{"hour": 4, "minute": 55}
